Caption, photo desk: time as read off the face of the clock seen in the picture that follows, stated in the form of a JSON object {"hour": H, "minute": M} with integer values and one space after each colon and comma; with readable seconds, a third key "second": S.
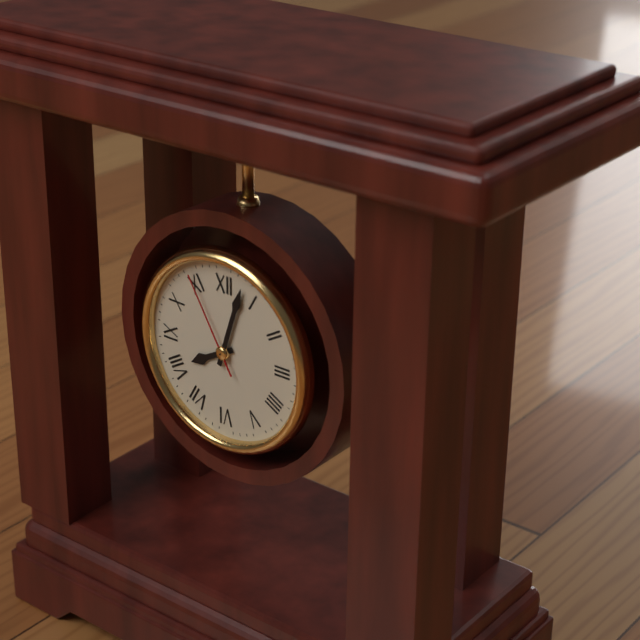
{"hour": 8, "minute": 3, "second": 55}
